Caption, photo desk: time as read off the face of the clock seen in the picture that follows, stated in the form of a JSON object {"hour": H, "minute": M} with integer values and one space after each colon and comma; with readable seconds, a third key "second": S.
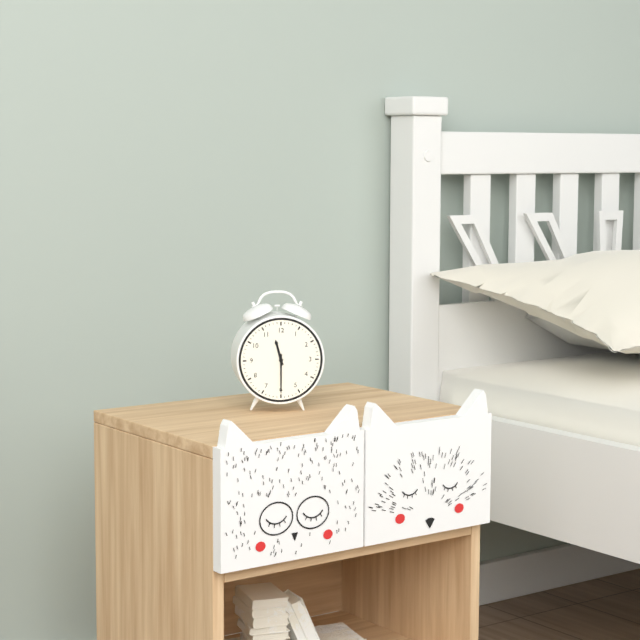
{"hour": 11, "minute": 30}
